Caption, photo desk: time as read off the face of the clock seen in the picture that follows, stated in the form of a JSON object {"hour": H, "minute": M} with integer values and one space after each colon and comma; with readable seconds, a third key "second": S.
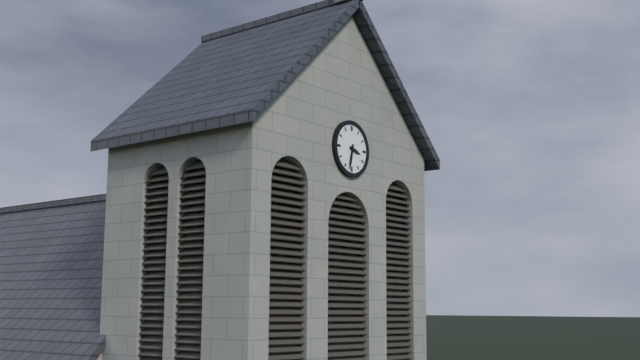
{"hour": 3, "minute": 32}
